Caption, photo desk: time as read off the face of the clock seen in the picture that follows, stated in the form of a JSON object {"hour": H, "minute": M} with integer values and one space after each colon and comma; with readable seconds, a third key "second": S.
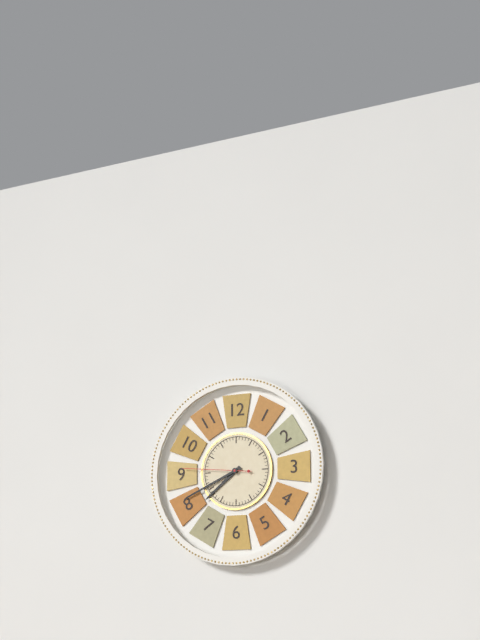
{"hour": 7, "minute": 41, "second": 46}
